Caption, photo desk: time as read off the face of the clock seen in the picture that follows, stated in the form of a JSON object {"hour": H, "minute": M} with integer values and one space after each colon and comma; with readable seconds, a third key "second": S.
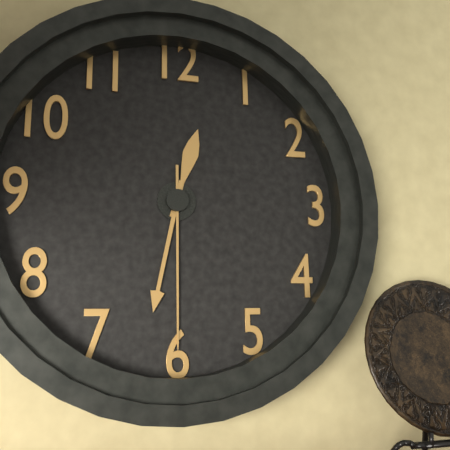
{"hour": 12, "minute": 32, "second": 30}
